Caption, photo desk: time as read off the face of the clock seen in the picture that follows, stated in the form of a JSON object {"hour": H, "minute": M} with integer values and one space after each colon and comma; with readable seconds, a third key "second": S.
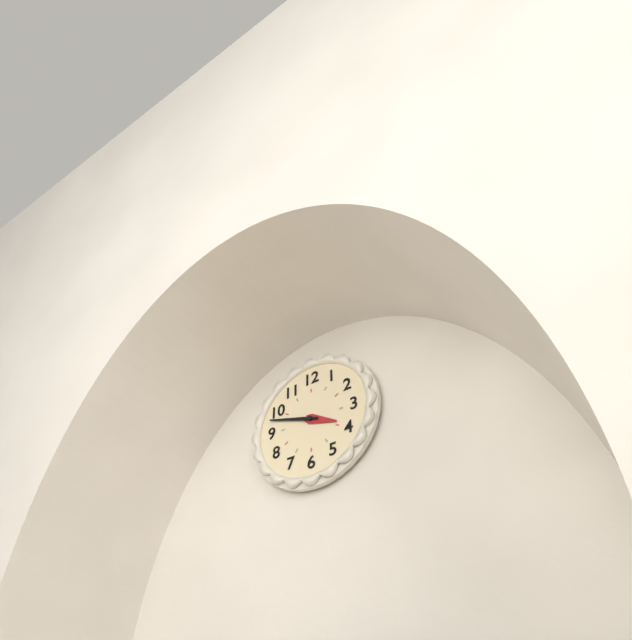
{"hour": 3, "minute": 48}
